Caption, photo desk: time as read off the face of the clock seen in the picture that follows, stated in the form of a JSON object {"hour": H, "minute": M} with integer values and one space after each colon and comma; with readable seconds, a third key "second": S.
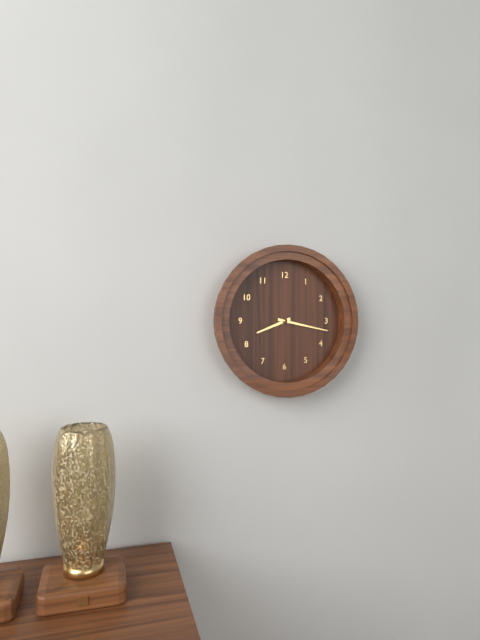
{"hour": 8, "minute": 17}
